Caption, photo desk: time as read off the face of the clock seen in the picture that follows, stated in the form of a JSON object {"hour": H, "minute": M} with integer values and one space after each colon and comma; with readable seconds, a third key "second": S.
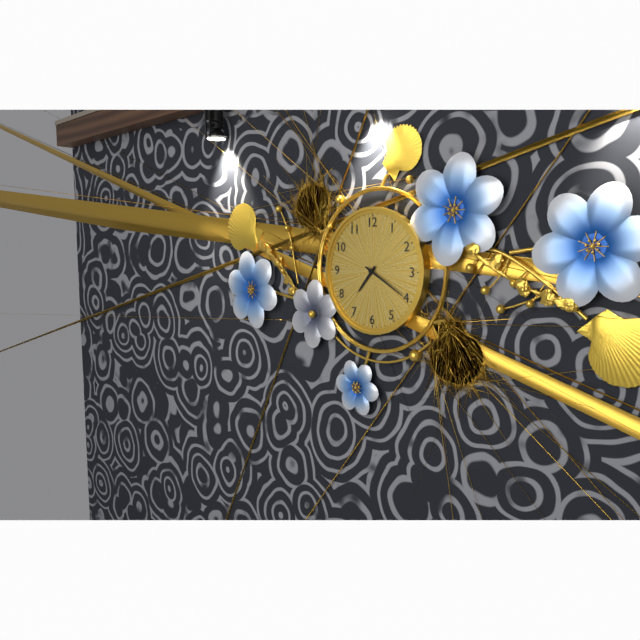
{"hour": 7, "minute": 20}
